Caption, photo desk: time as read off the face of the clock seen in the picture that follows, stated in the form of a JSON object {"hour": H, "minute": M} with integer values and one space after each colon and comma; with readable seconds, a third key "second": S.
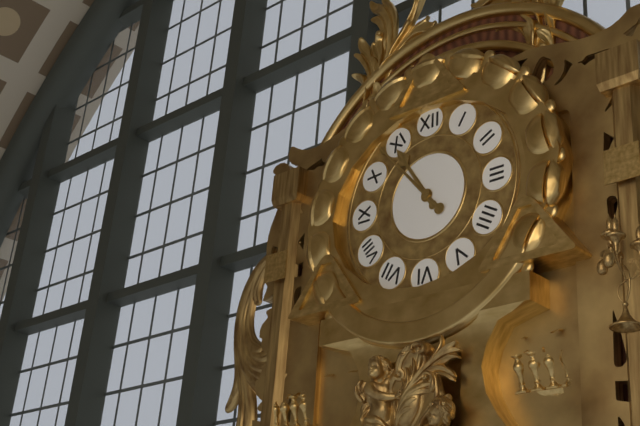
{"hour": 10, "minute": 53}
